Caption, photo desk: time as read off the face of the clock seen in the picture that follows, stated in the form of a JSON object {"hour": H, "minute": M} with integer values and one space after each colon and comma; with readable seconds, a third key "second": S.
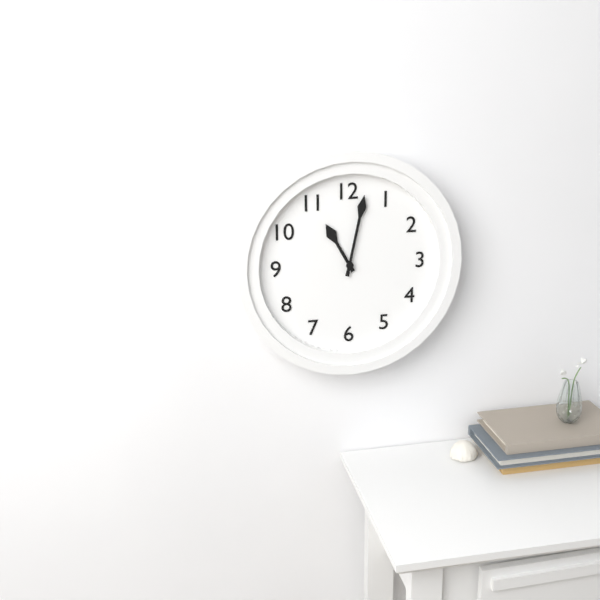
{"hour": 11, "minute": 2}
